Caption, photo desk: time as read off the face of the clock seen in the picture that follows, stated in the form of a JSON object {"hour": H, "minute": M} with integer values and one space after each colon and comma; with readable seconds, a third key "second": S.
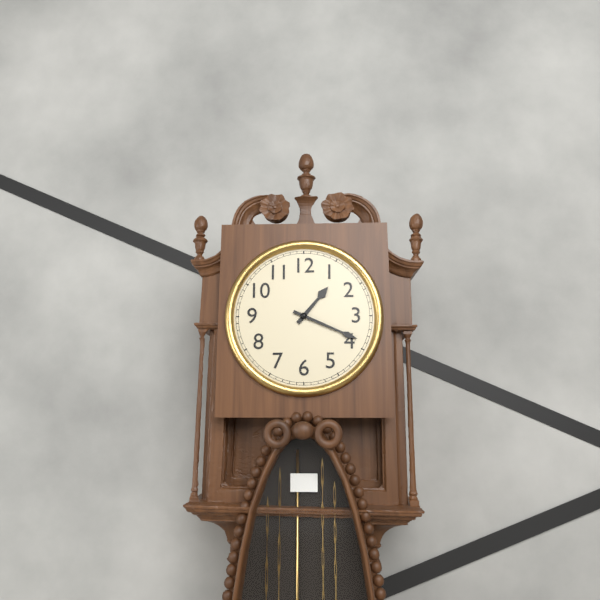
{"hour": 1, "minute": 19}
